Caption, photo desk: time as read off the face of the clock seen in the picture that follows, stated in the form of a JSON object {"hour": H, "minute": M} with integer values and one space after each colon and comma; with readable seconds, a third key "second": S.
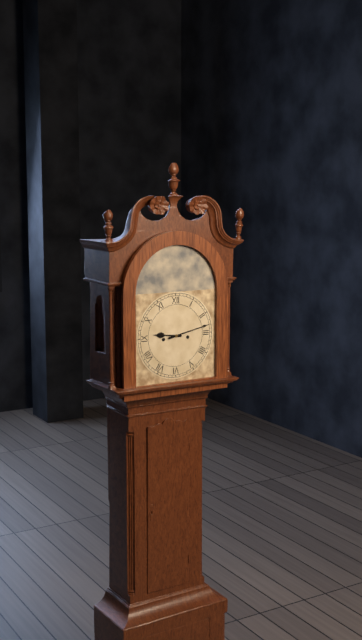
{"hour": 9, "minute": 13}
